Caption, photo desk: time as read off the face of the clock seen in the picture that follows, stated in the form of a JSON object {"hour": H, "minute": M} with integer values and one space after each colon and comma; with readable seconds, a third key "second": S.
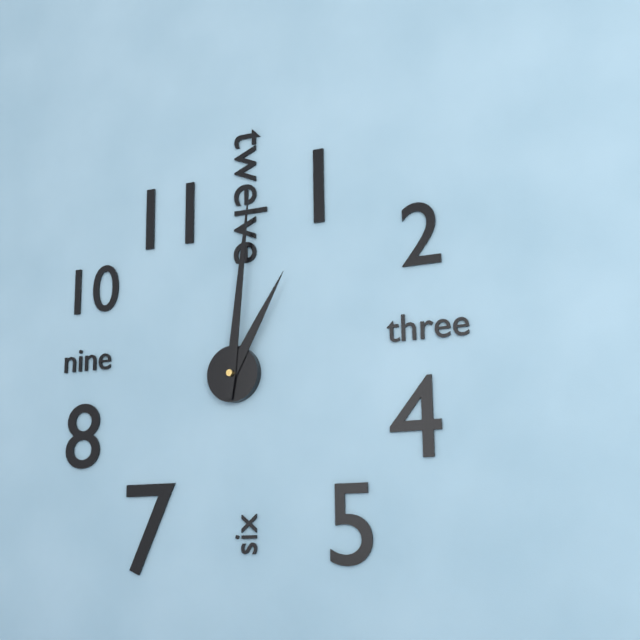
{"hour": 1, "minute": 1}
